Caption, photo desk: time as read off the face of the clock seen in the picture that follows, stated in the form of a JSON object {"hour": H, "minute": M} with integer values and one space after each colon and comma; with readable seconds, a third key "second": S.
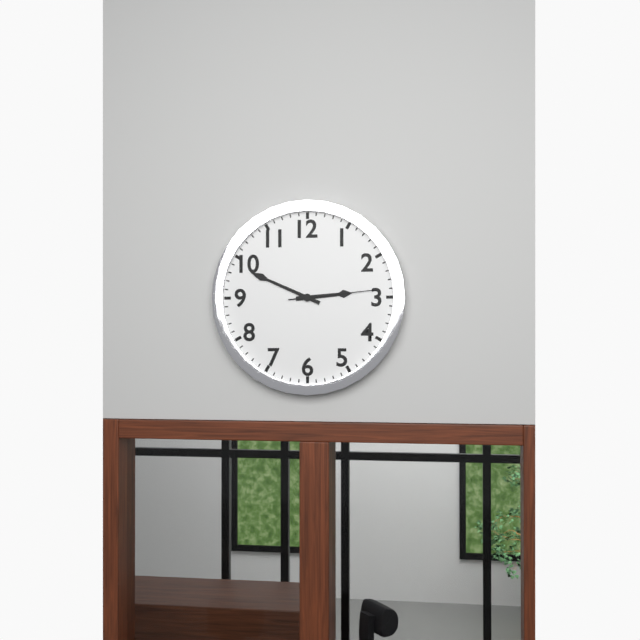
{"hour": 2, "minute": 49, "second": 14}
